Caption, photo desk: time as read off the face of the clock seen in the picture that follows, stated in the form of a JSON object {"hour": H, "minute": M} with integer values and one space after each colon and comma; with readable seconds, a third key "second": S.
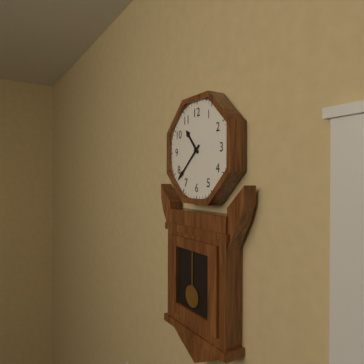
{"hour": 10, "minute": 38}
